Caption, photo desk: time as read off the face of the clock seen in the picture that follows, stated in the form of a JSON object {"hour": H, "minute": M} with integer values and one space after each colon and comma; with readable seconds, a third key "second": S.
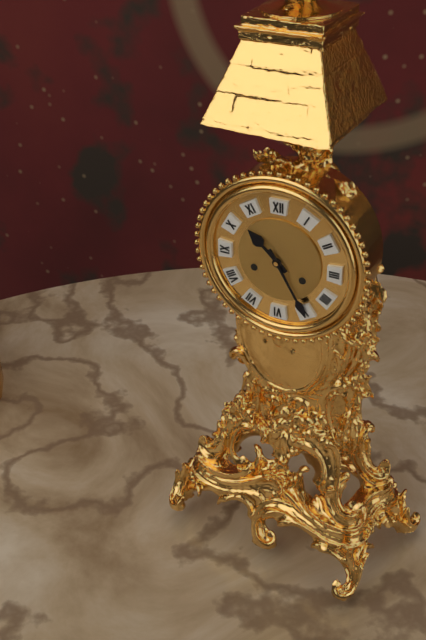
{"hour": 10, "minute": 25}
